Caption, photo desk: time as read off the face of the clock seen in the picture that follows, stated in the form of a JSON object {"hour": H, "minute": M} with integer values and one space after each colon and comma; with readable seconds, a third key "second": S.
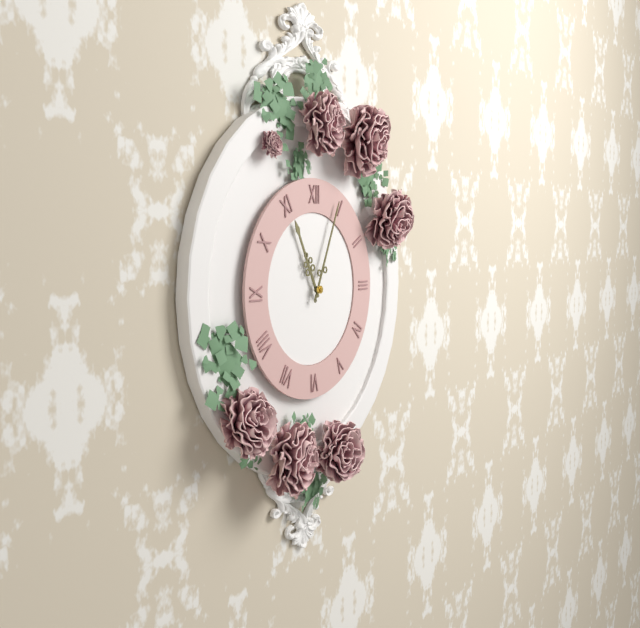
{"hour": 11, "minute": 4}
